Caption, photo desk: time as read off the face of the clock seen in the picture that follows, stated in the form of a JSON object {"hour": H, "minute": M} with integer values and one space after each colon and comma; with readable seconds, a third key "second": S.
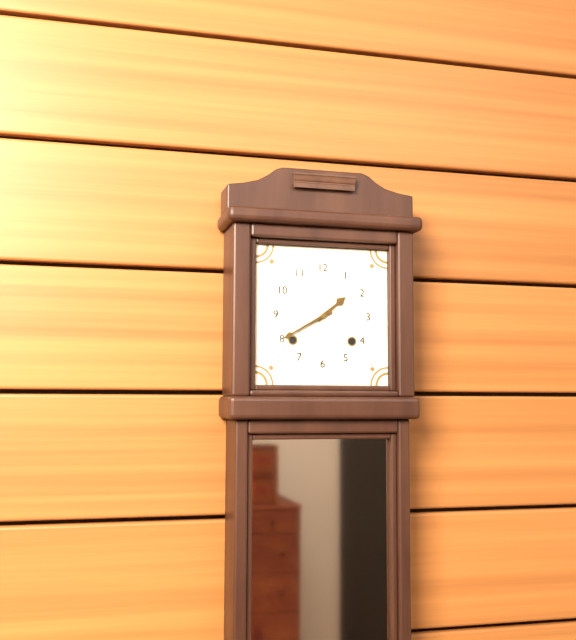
{"hour": 1, "minute": 40}
